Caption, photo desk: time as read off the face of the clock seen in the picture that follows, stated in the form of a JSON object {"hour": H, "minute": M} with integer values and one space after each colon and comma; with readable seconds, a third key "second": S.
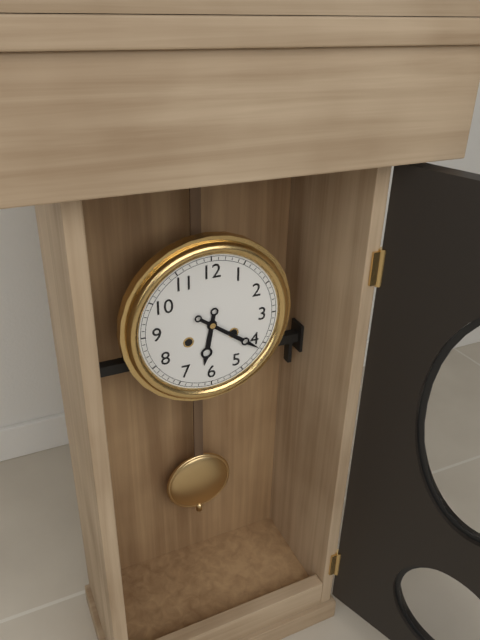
{"hour": 6, "minute": 21}
